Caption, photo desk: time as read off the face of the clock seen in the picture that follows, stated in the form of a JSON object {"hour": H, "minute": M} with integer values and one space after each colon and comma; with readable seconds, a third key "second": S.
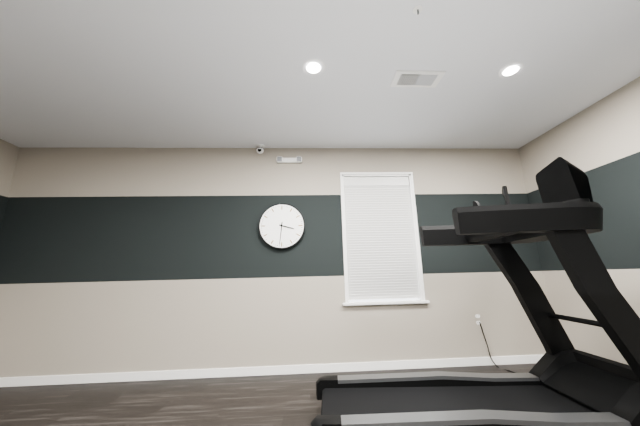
{"hour": 3, "minute": 31}
